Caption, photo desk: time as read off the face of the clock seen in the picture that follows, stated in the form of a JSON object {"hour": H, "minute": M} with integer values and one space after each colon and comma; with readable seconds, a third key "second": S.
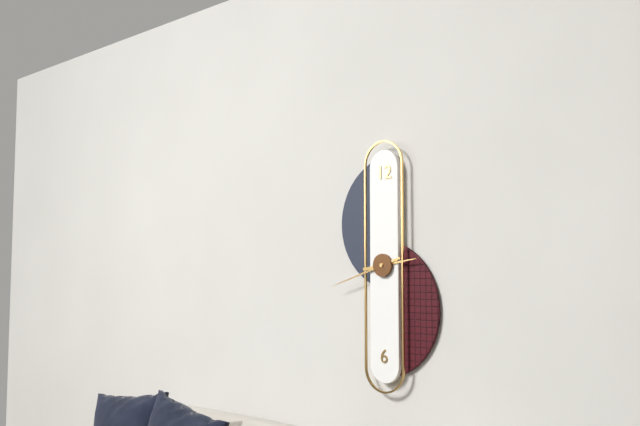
{"hour": 2, "minute": 42}
